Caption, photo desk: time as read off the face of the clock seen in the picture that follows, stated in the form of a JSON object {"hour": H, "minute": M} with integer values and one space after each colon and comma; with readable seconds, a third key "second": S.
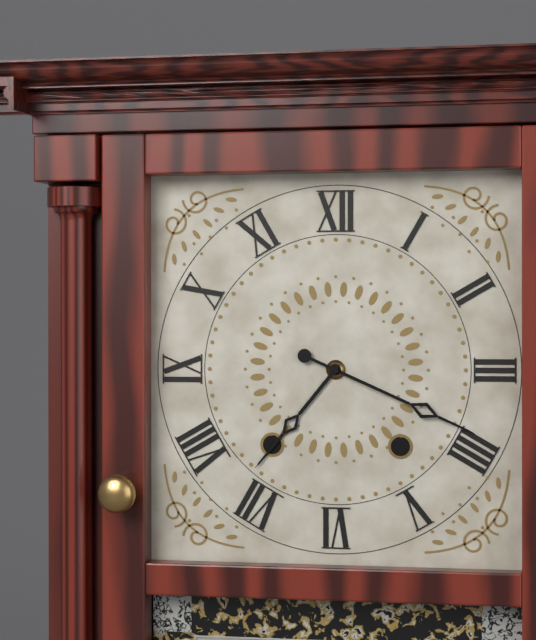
{"hour": 7, "minute": 19}
